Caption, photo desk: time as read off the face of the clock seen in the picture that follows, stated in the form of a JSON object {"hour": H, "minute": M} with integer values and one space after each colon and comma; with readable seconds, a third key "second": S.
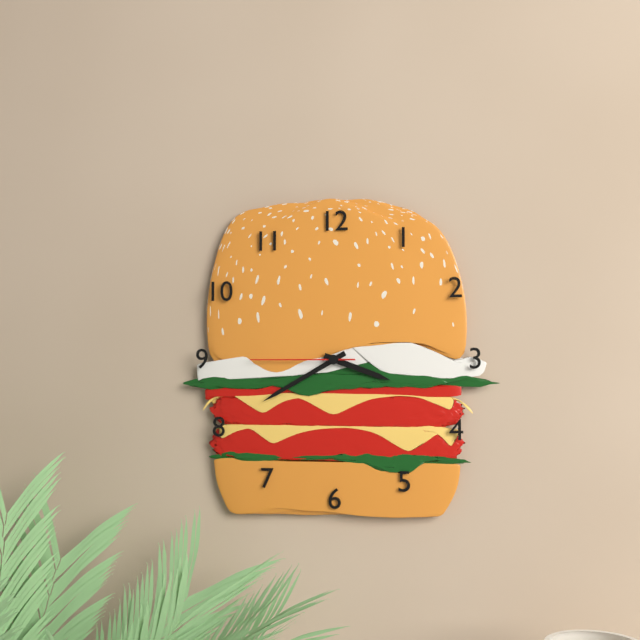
{"hour": 3, "minute": 40, "second": 45}
